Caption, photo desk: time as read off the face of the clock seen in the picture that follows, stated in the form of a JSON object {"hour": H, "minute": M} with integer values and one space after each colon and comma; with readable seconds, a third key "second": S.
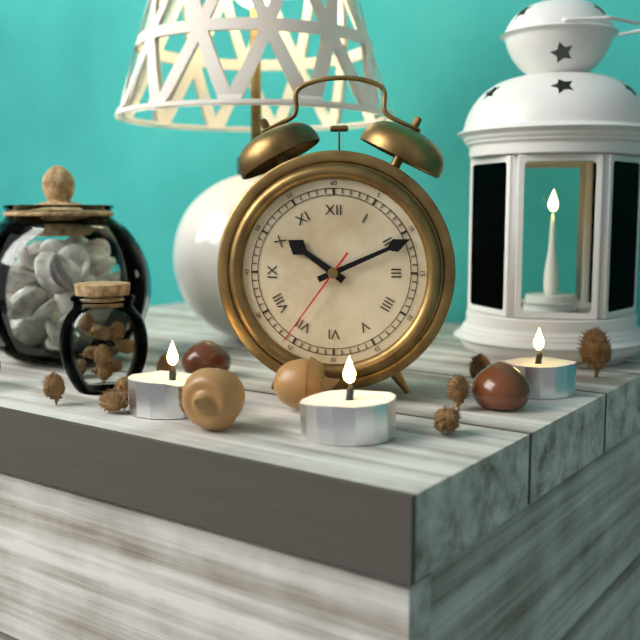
{"hour": 10, "minute": 11, "second": 36}
